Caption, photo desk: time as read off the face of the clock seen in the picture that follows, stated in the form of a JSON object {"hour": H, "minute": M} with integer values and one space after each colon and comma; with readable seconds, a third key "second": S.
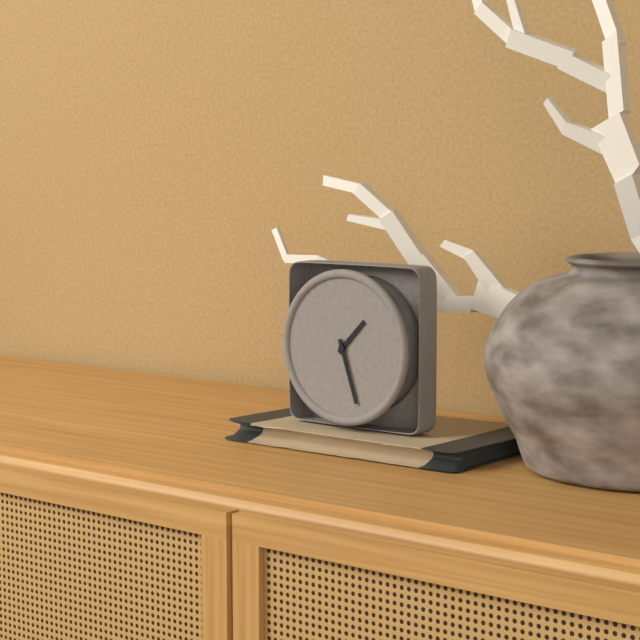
{"hour": 1, "minute": 27}
